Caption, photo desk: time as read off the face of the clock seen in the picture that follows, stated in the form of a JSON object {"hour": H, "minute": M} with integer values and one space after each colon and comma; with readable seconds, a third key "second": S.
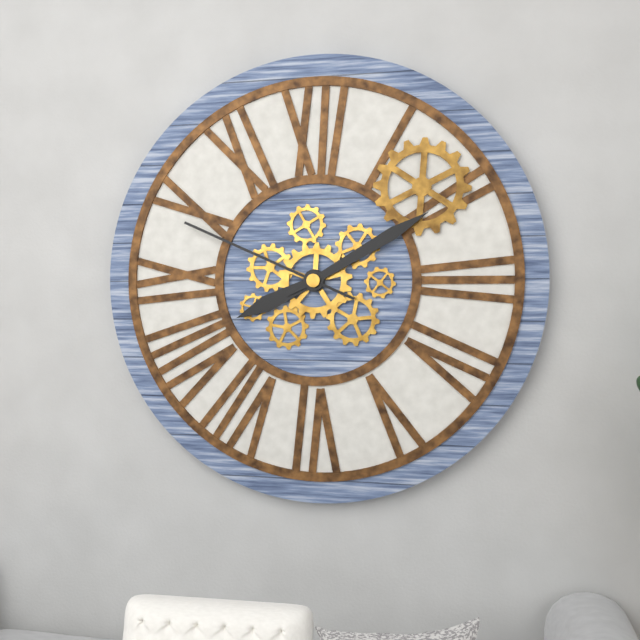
{"hour": 8, "minute": 10, "second": 49}
